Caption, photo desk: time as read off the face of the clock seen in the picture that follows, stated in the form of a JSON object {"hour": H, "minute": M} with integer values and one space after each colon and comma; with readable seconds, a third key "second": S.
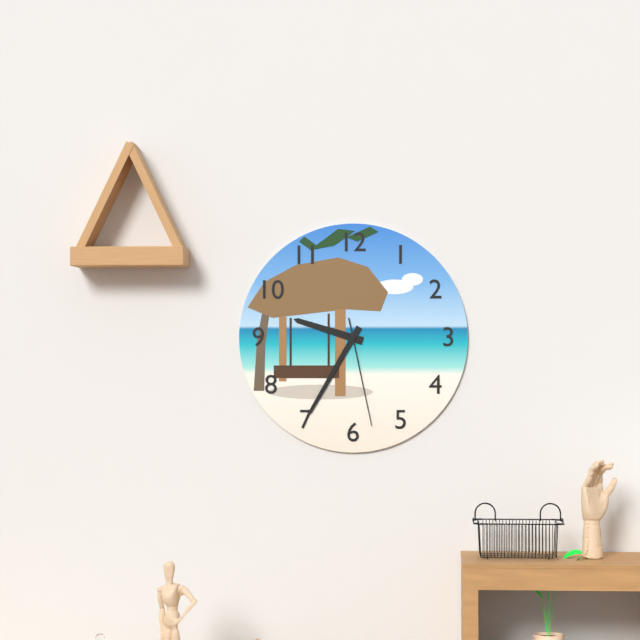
{"hour": 9, "minute": 35, "second": 28}
